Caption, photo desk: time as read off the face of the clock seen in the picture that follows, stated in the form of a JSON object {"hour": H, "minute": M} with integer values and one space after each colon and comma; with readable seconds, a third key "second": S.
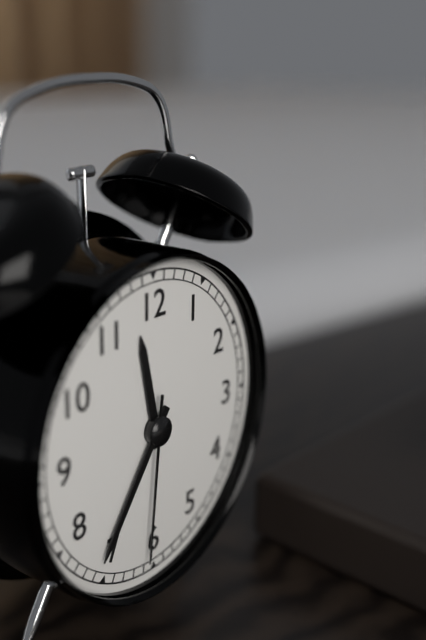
{"hour": 11, "minute": 36, "second": 31}
